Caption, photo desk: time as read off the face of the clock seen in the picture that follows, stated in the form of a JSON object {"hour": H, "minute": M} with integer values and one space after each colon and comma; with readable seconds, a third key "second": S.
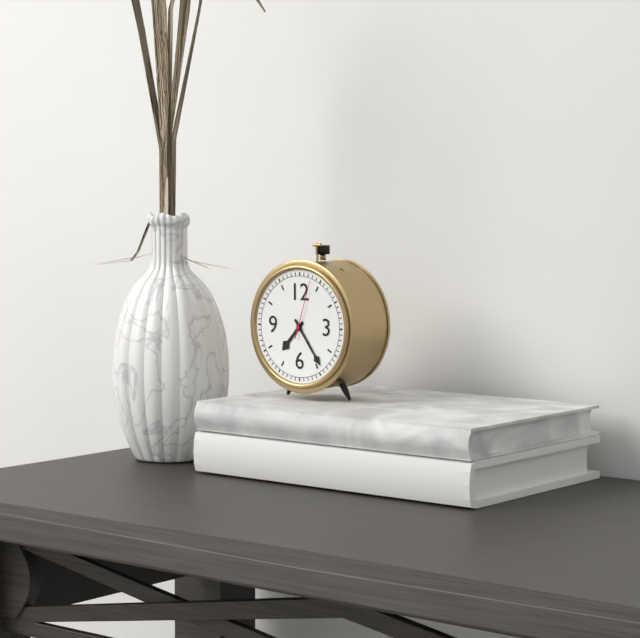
{"hour": 7, "minute": 24, "second": 3}
